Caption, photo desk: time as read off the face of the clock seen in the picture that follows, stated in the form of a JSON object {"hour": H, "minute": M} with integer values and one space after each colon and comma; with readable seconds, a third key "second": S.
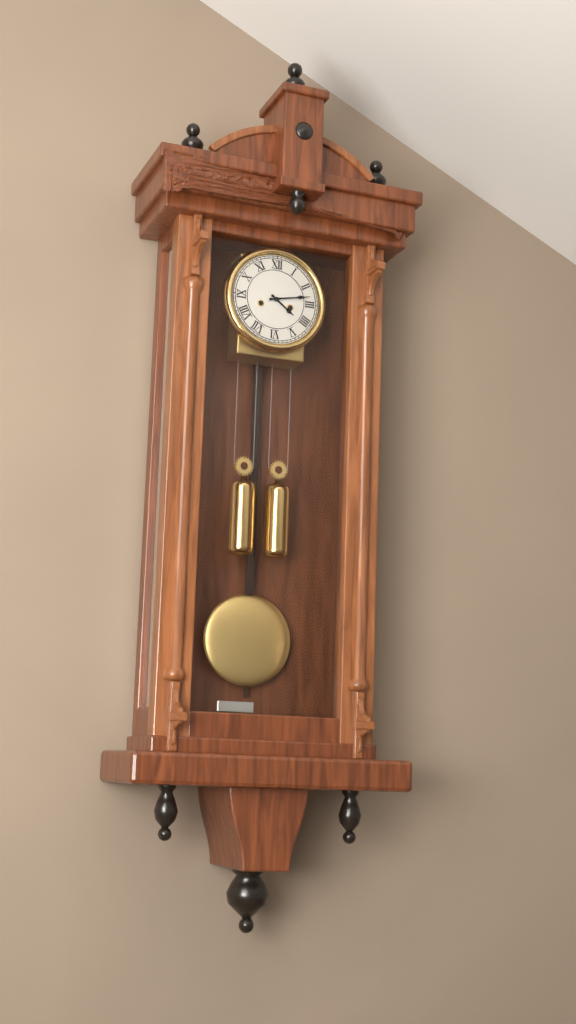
{"hour": 4, "minute": 13}
